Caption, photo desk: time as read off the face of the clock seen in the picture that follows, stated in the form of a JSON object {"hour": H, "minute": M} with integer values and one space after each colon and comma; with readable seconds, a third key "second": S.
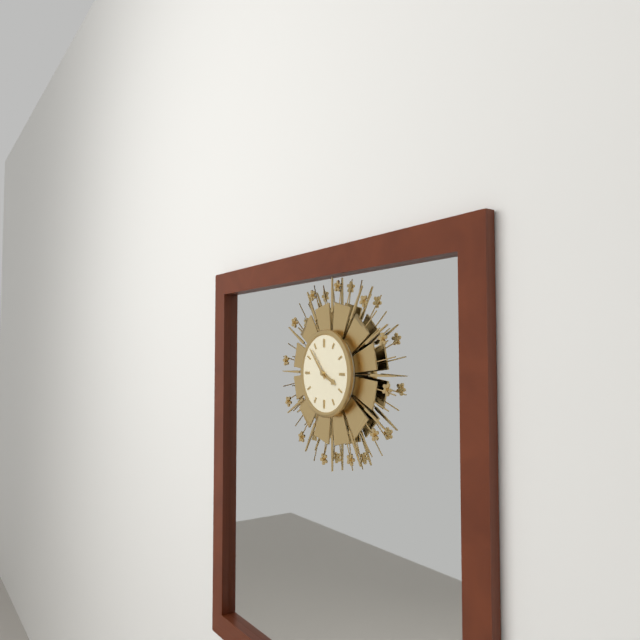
{"hour": 3, "minute": 53}
